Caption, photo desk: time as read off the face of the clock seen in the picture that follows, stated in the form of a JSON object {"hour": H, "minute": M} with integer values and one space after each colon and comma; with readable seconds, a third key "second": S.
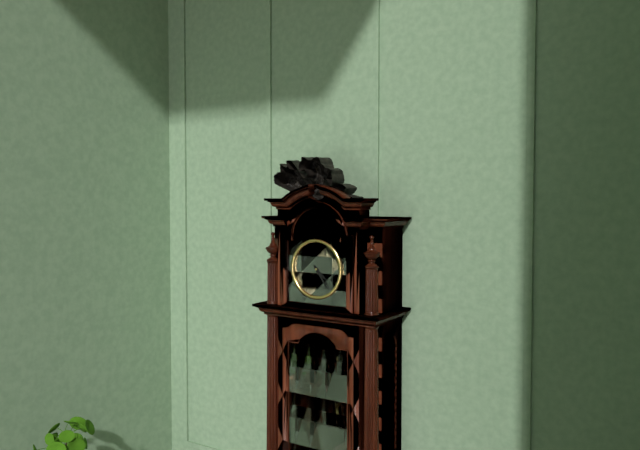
{"hour": 4, "minute": 24}
